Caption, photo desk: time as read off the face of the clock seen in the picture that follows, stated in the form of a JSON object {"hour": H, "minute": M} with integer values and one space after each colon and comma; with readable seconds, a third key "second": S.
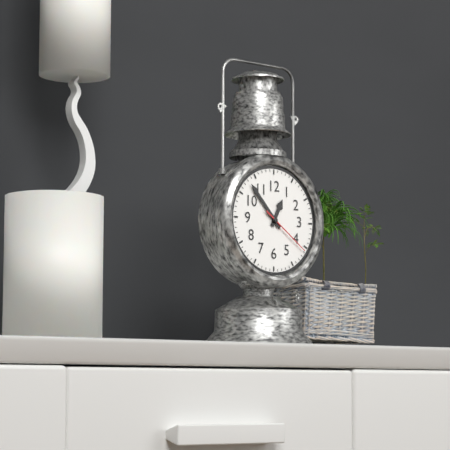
{"hour": 12, "minute": 53, "second": 21}
